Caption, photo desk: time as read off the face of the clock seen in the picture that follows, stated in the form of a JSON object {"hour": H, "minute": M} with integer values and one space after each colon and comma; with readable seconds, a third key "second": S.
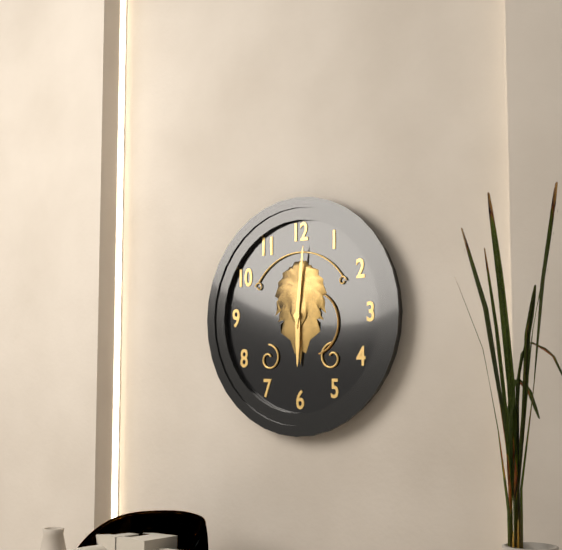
{"hour": 6, "minute": 1}
